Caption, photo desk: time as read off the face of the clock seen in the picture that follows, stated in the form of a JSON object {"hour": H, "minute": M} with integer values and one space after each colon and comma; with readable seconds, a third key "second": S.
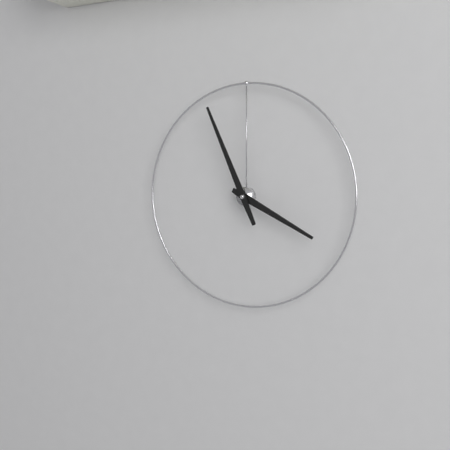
{"hour": 3, "minute": 56}
